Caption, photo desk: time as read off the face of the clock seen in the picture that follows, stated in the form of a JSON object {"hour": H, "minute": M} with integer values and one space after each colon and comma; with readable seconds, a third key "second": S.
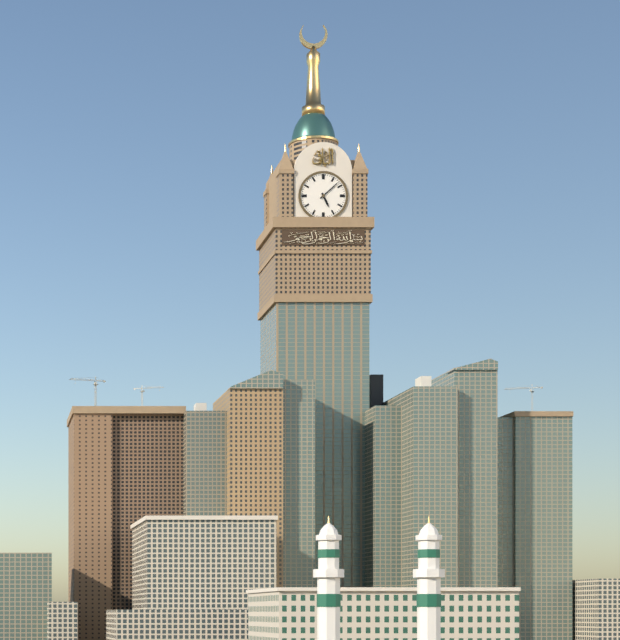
{"hour": 5, "minute": 8}
